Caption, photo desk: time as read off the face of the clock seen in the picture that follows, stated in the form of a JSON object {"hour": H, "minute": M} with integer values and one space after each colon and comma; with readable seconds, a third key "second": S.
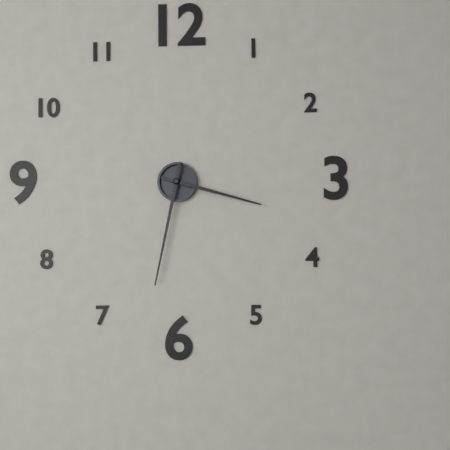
{"hour": 3, "minute": 32}
